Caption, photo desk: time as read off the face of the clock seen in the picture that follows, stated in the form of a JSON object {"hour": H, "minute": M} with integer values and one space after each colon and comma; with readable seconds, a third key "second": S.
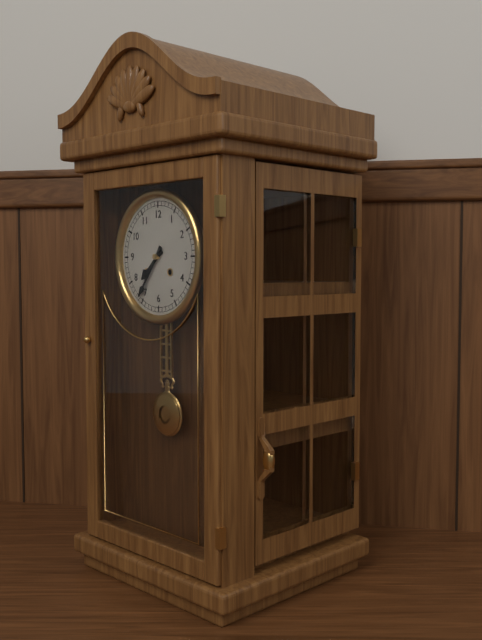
{"hour": 7, "minute": 36}
